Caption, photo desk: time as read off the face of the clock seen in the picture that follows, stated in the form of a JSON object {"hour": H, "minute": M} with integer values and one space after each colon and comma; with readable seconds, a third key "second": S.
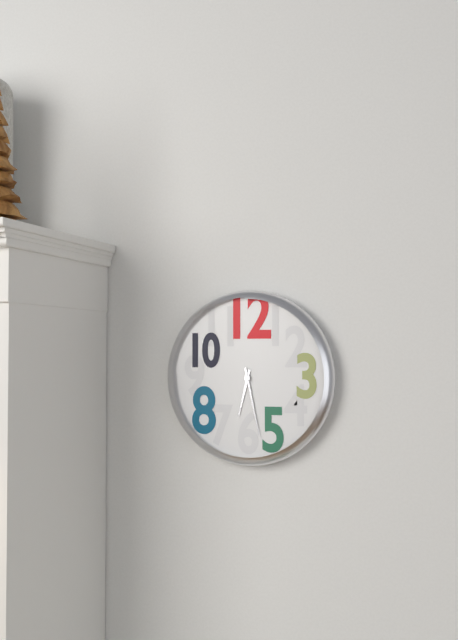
{"hour": 6, "minute": 28}
